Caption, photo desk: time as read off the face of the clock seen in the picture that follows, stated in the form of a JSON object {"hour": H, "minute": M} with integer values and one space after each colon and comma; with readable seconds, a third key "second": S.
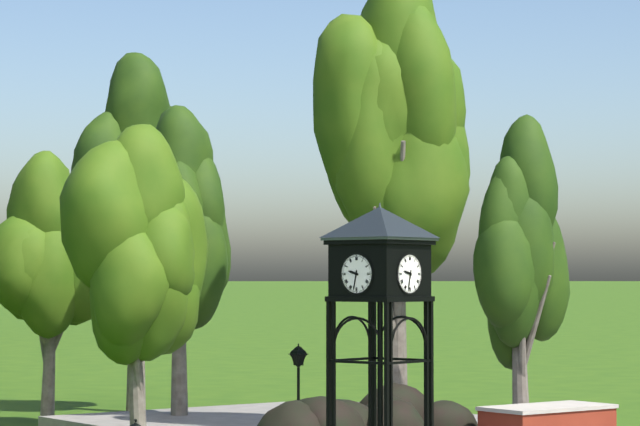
{"hour": 9, "minute": 32}
